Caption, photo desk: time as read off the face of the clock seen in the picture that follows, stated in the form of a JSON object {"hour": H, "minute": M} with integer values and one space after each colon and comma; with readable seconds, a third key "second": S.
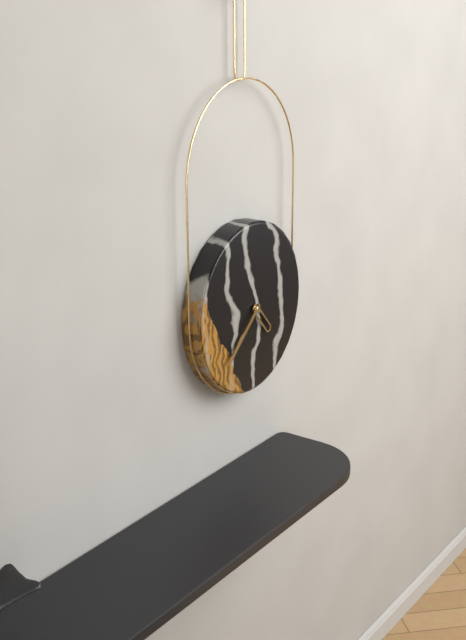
{"hour": 4, "minute": 38}
